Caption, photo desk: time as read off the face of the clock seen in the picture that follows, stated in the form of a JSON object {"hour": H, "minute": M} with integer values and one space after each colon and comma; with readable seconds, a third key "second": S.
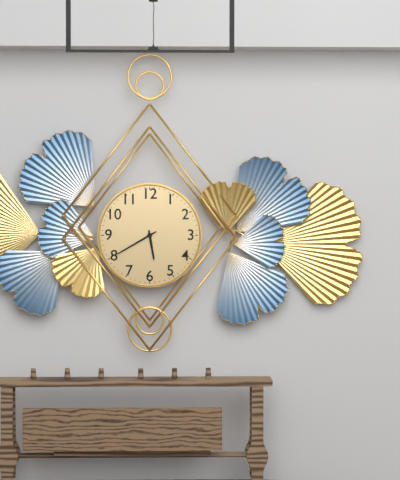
{"hour": 5, "minute": 40}
